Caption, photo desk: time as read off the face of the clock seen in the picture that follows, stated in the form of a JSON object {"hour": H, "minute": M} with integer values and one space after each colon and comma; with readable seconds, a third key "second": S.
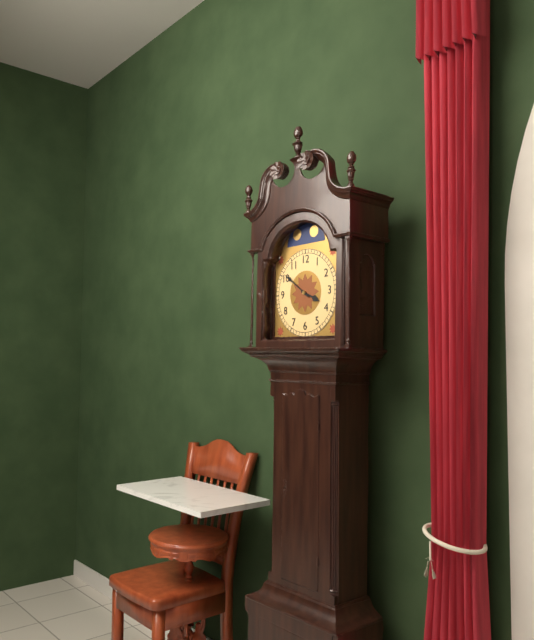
{"hour": 3, "minute": 51}
